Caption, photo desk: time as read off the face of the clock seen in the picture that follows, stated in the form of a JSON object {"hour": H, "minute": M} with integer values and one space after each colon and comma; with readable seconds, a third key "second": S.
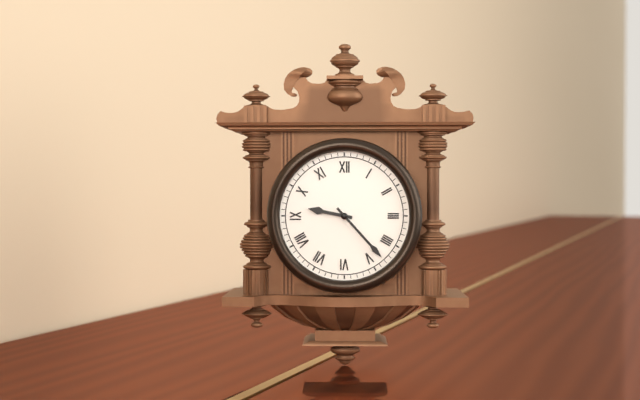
{"hour": 9, "minute": 23}
